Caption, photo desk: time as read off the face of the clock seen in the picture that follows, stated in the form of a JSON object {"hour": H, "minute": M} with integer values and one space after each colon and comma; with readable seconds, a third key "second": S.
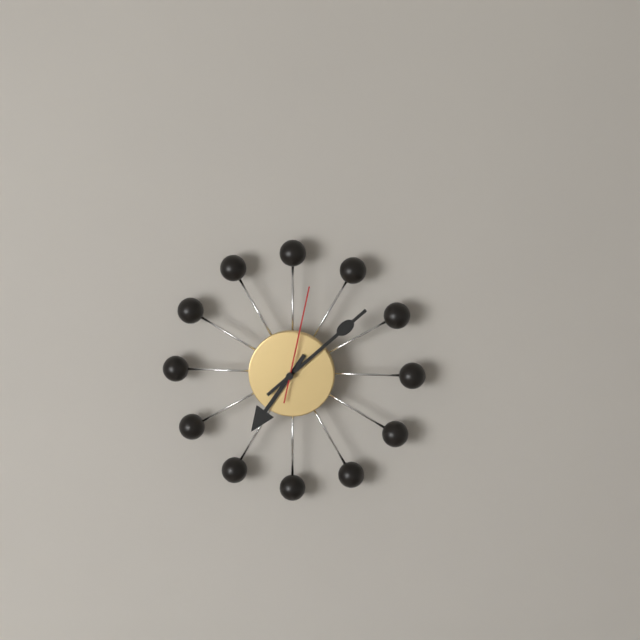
{"hour": 7, "minute": 8, "second": 2}
